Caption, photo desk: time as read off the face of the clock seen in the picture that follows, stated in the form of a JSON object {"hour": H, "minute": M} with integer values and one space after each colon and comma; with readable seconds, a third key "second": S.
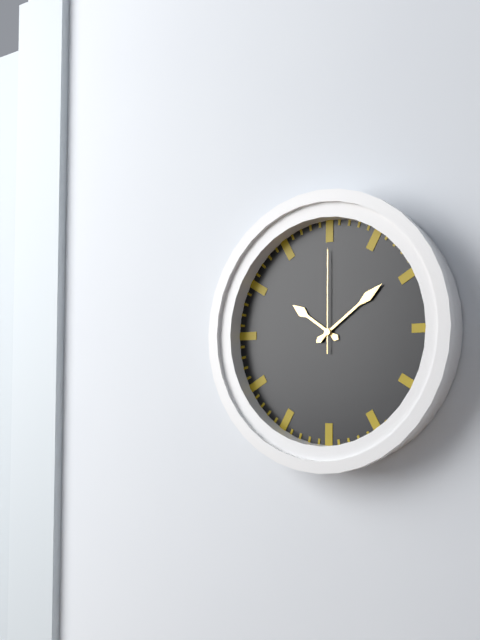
{"hour": 10, "minute": 9, "second": 0}
